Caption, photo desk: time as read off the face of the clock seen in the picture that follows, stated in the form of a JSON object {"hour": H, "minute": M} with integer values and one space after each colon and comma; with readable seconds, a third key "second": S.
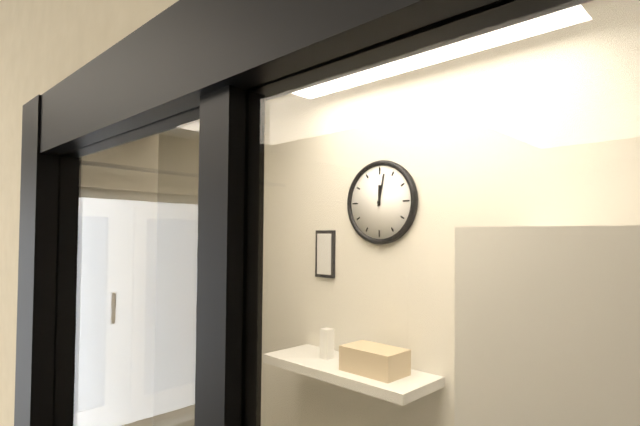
{"hour": 12, "minute": 2}
